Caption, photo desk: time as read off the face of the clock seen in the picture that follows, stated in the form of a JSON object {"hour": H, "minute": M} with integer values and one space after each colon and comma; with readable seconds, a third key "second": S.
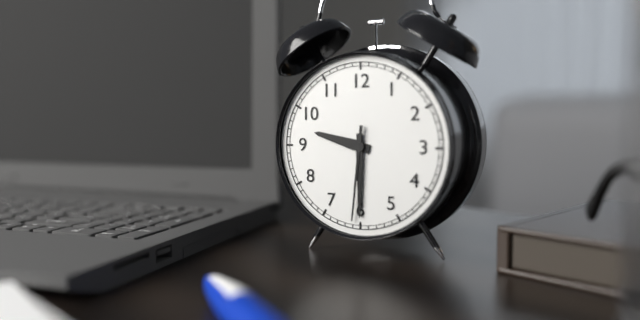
{"hour": 9, "minute": 30, "second": 31}
